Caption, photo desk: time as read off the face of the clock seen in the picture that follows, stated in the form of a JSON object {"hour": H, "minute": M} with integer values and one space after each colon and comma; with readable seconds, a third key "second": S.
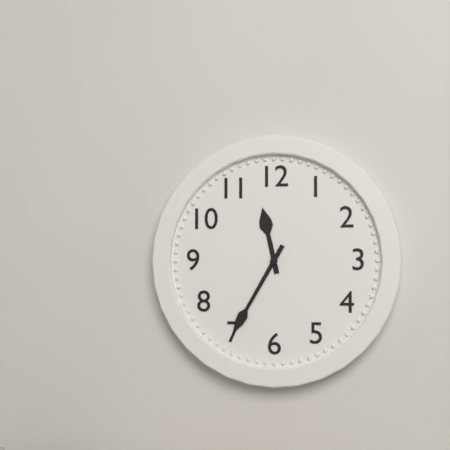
{"hour": 11, "minute": 35}
